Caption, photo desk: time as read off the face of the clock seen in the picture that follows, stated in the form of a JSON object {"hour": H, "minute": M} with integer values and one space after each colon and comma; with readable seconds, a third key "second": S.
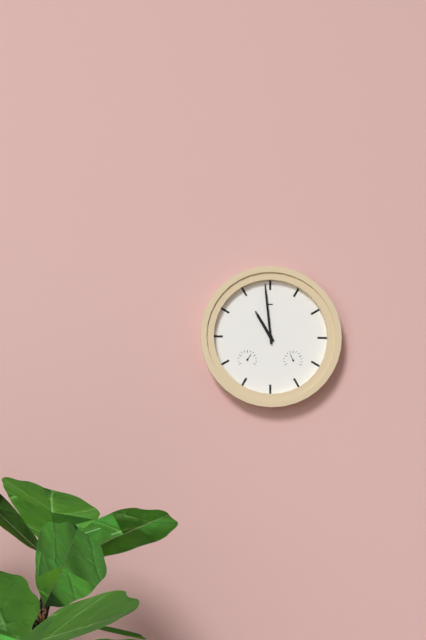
{"hour": 10, "minute": 59}
